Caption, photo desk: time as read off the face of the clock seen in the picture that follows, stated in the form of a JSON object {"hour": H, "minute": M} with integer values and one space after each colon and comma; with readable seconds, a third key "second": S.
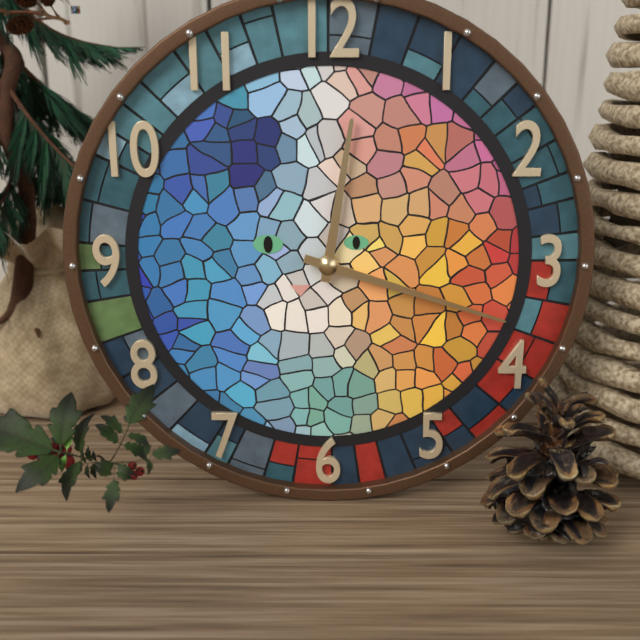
{"hour": 12, "minute": 18}
